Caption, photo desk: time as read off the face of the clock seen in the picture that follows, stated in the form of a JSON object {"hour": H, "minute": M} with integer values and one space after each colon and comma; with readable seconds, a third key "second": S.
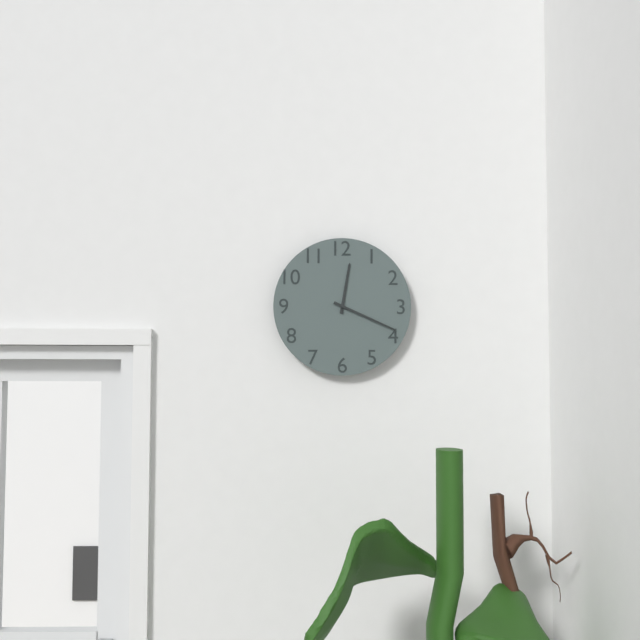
{"hour": 12, "minute": 19}
